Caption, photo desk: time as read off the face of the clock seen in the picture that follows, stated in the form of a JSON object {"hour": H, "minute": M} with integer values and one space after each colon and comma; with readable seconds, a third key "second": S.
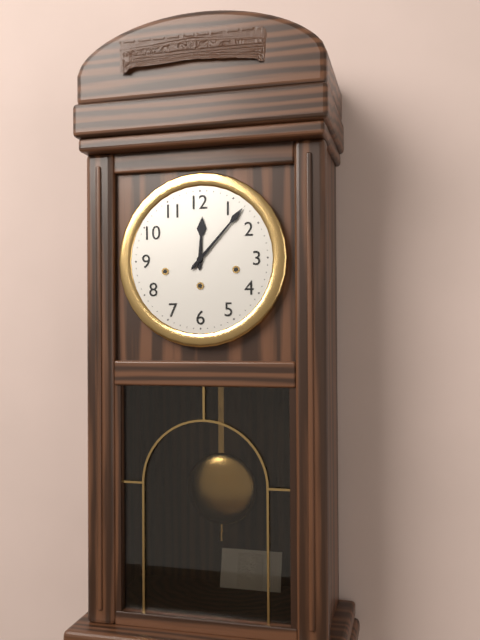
{"hour": 12, "minute": 7}
